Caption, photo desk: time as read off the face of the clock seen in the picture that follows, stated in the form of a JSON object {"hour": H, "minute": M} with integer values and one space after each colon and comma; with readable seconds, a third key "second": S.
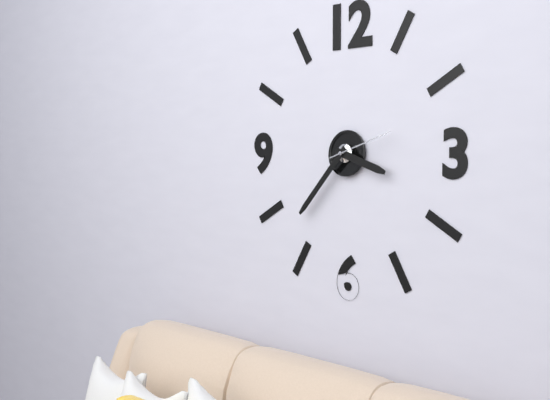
{"hour": 3, "minute": 37, "second": 12}
